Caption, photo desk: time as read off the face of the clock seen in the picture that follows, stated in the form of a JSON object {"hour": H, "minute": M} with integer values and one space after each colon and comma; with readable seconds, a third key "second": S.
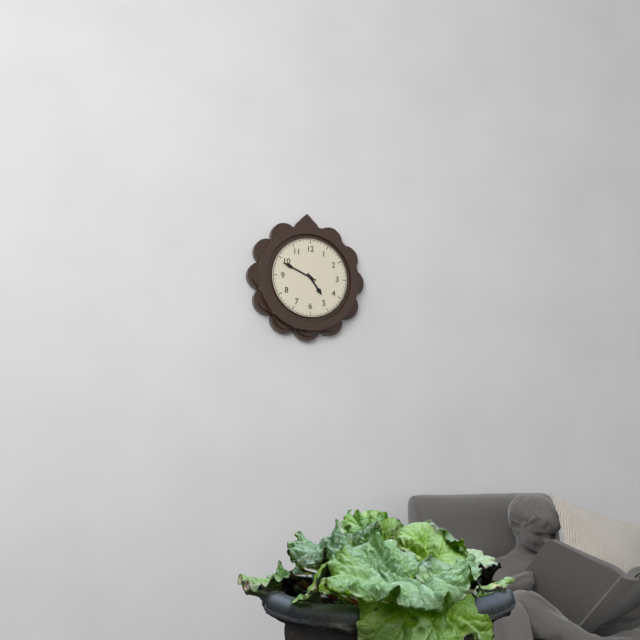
{"hour": 4, "minute": 49}
